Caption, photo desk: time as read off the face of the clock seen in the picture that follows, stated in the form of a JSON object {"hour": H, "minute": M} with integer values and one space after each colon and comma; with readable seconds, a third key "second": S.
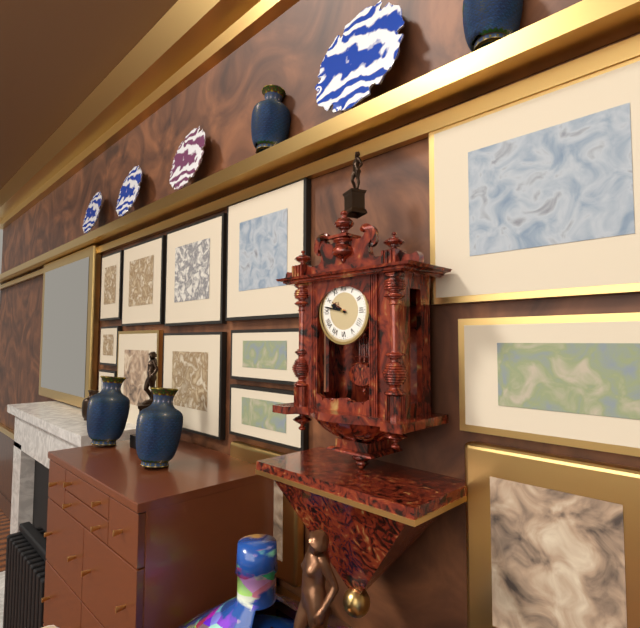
{"hour": 9, "minute": 47}
